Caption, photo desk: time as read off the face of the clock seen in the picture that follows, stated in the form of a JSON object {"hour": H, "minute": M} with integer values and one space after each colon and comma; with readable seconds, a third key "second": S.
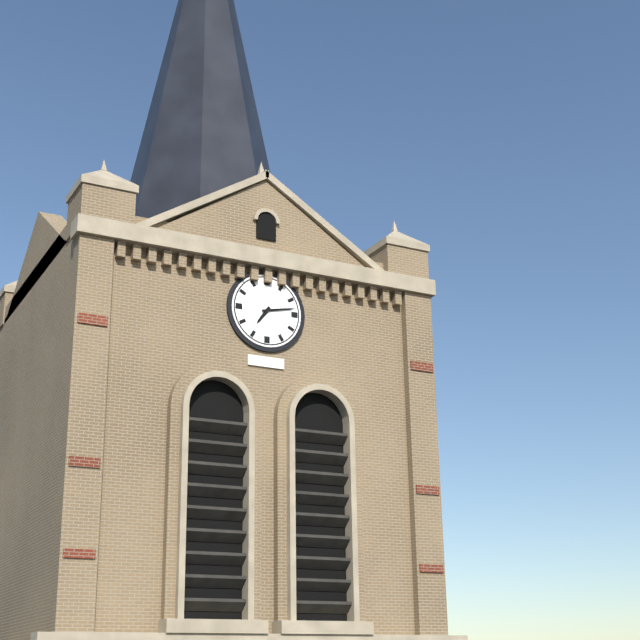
{"hour": 7, "minute": 13}
